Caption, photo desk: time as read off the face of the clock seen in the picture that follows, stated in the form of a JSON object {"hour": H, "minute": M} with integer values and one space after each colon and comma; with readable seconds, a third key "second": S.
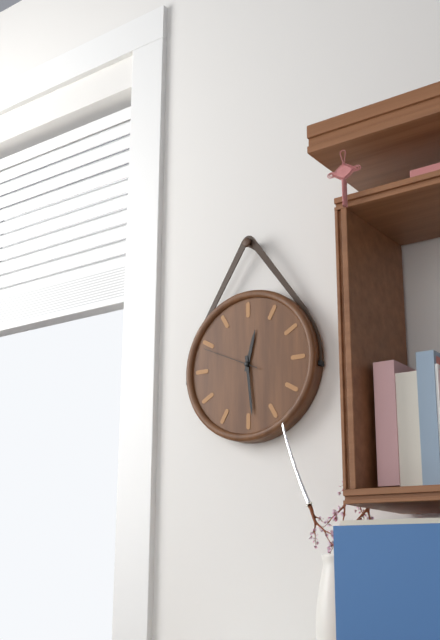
{"hour": 12, "minute": 29, "second": 49}
